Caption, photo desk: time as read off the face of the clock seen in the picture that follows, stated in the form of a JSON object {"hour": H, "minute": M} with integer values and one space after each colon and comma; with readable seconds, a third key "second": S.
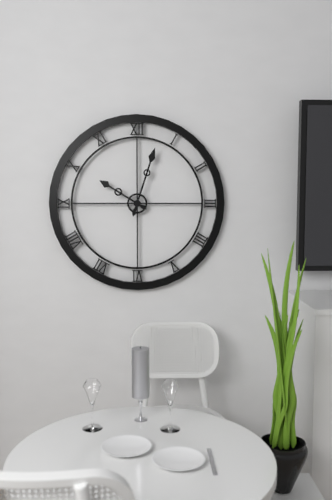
{"hour": 10, "minute": 3}
